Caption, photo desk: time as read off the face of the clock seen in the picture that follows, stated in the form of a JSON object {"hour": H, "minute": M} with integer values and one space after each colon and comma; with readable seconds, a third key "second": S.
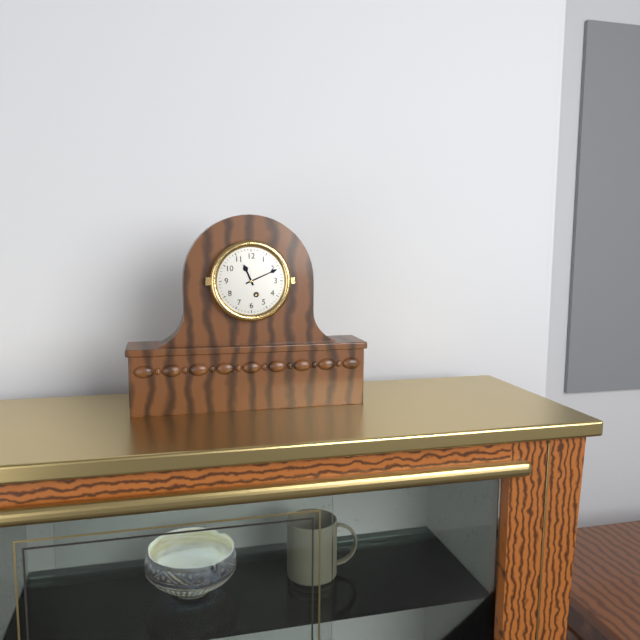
{"hour": 11, "minute": 11}
